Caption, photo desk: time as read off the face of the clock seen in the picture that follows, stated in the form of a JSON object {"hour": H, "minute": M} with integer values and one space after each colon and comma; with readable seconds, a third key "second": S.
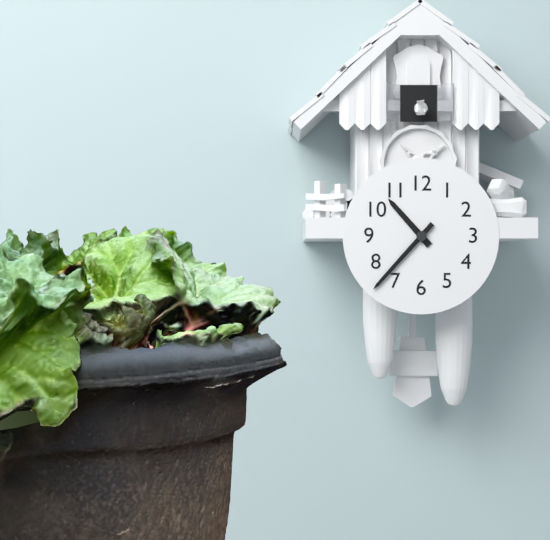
{"hour": 10, "minute": 37}
